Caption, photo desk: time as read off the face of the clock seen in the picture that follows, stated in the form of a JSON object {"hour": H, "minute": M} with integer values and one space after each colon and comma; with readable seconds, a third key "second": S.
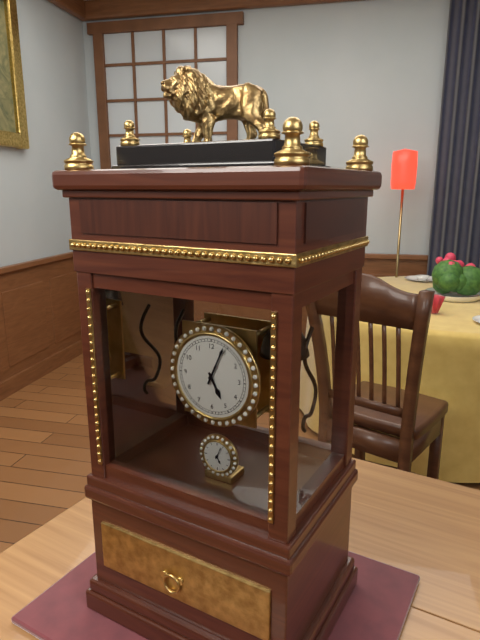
{"hour": 5, "minute": 4}
